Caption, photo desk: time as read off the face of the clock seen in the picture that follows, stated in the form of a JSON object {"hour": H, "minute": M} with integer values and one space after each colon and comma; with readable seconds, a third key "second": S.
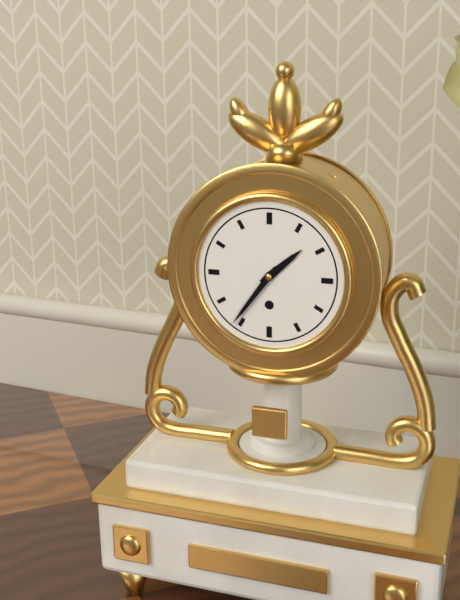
{"hour": 1, "minute": 36}
